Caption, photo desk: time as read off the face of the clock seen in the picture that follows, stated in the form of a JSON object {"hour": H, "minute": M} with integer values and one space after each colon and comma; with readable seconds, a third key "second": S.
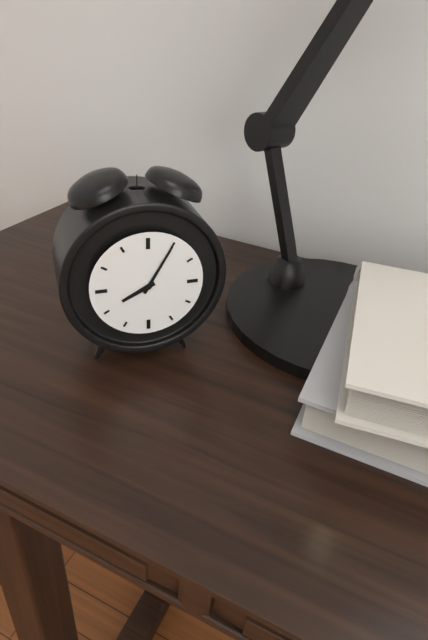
{"hour": 8, "minute": 5}
